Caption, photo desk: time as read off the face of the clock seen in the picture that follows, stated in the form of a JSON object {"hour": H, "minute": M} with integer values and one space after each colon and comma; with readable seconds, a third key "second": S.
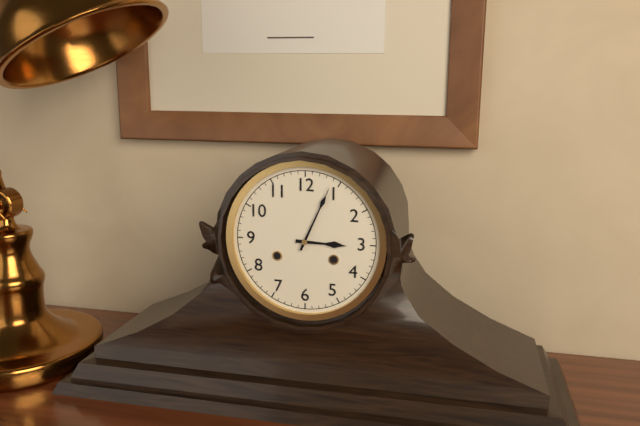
{"hour": 3, "minute": 4}
